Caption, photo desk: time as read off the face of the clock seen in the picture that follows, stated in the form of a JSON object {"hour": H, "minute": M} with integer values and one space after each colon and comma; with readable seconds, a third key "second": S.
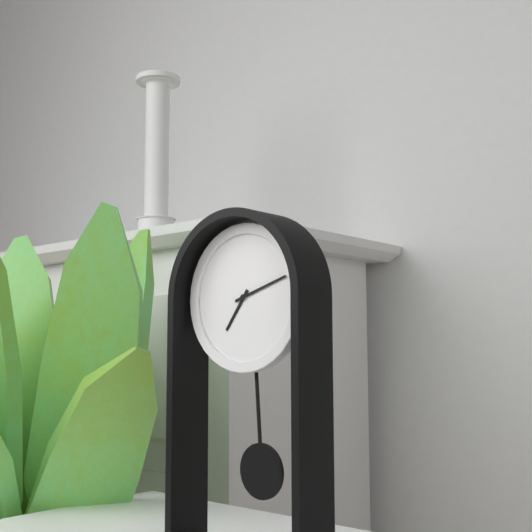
{"hour": 7, "minute": 12}
